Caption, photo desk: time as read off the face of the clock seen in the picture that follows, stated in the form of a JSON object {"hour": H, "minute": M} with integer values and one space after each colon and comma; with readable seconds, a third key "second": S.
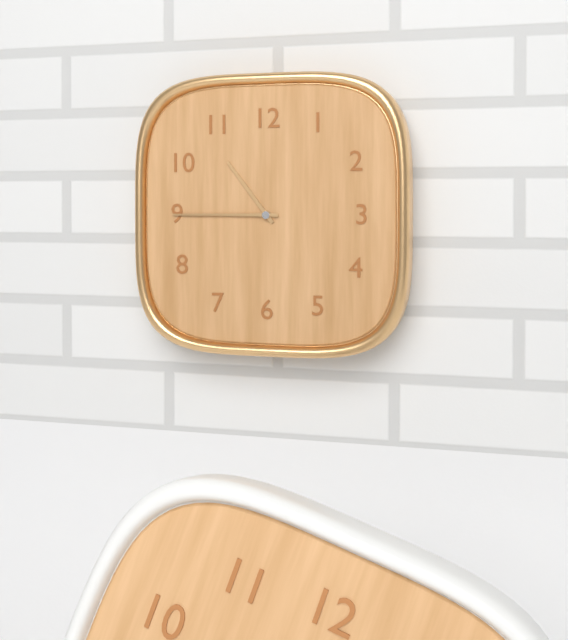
{"hour": 10, "minute": 45}
